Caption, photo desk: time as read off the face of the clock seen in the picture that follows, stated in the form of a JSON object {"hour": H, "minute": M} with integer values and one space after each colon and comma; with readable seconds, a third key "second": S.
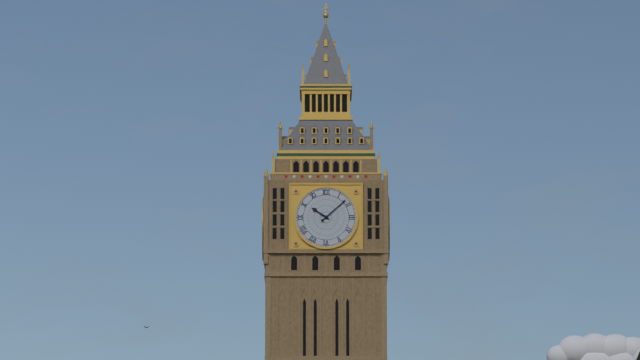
{"hour": 10, "minute": 8}
